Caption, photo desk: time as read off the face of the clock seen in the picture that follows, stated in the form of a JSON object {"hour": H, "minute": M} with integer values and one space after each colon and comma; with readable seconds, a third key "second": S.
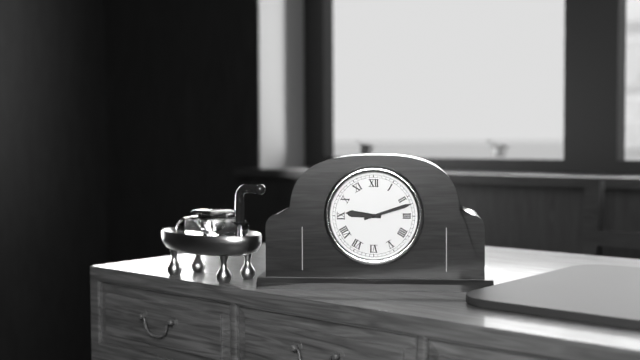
{"hour": 9, "minute": 12}
